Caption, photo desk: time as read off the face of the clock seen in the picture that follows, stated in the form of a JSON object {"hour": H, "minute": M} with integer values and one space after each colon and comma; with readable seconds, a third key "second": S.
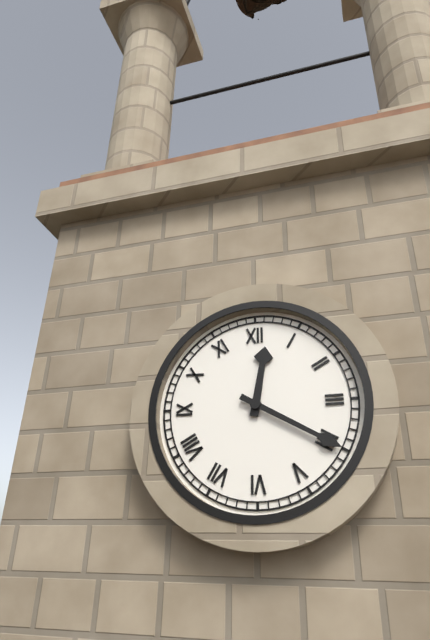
{"hour": 12, "minute": 20}
